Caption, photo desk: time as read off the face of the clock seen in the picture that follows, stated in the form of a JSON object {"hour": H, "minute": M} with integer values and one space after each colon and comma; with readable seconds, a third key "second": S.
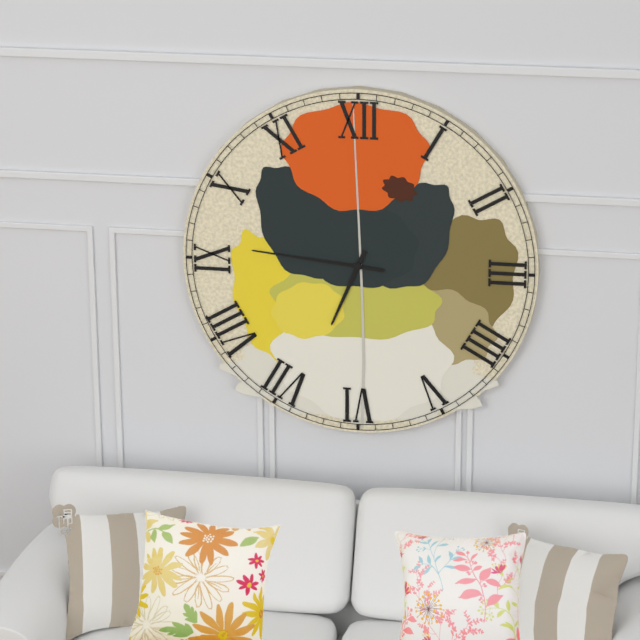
{"hour": 6, "minute": 46}
